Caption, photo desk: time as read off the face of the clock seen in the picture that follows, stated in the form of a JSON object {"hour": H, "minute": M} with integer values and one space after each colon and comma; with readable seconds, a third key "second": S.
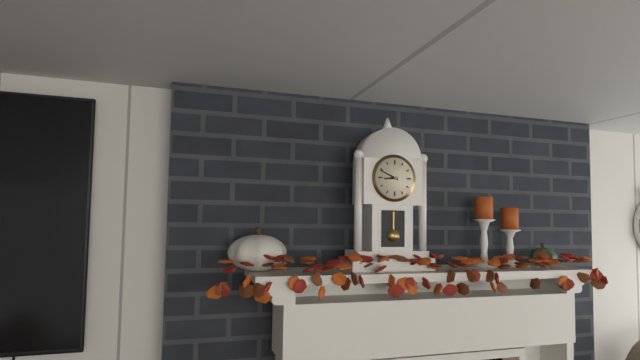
{"hour": 8, "minute": 49}
